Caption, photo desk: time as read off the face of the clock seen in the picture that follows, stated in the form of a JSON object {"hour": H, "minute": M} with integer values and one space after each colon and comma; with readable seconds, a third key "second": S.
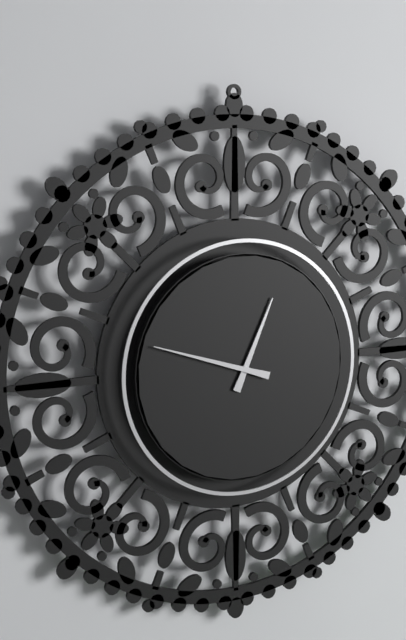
{"hour": 12, "minute": 48}
